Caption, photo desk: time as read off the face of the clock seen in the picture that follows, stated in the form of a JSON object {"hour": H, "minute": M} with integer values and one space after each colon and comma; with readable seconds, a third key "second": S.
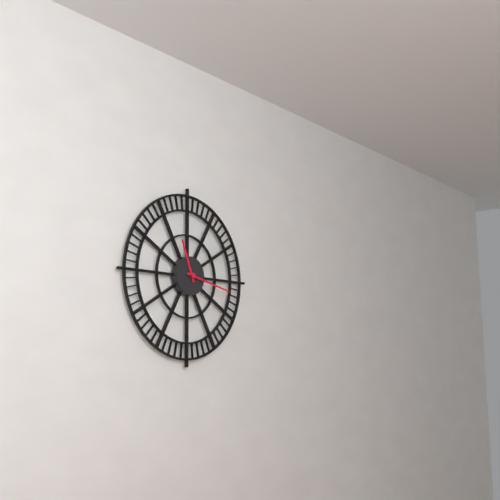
{"hour": 11, "minute": 17}
